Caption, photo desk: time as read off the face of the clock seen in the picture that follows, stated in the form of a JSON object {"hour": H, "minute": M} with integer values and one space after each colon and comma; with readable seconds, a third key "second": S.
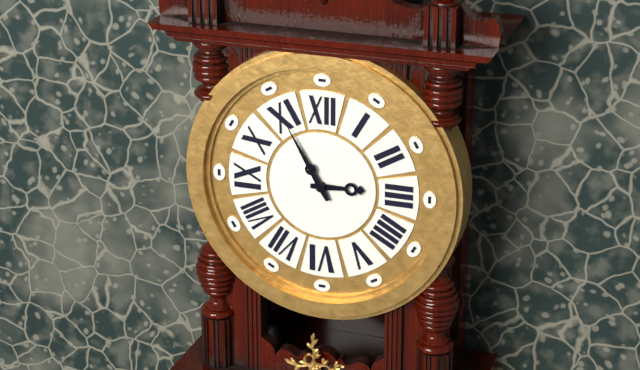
{"hour": 2, "minute": 55}
